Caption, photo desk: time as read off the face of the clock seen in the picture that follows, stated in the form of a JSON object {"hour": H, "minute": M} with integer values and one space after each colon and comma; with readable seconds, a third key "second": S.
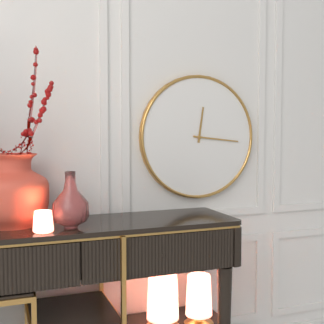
{"hour": 12, "minute": 16}
